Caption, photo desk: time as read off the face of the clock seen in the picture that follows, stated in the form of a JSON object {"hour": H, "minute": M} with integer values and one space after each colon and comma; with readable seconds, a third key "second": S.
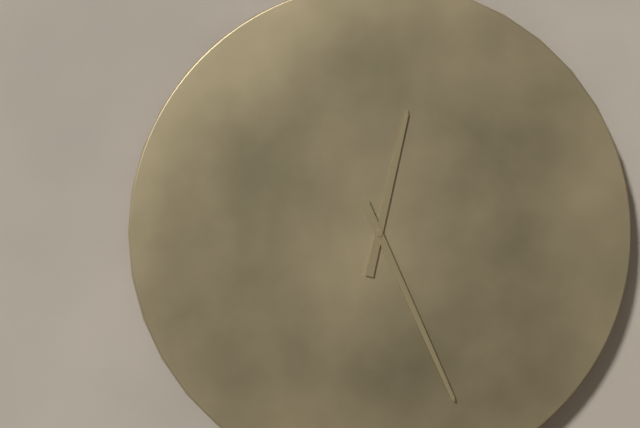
{"hour": 12, "minute": 26}
